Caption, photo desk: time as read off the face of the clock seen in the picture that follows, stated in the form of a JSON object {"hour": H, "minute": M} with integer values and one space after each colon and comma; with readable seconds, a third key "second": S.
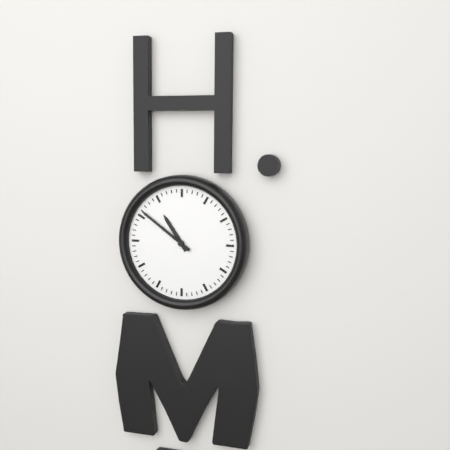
{"hour": 10, "minute": 51}
